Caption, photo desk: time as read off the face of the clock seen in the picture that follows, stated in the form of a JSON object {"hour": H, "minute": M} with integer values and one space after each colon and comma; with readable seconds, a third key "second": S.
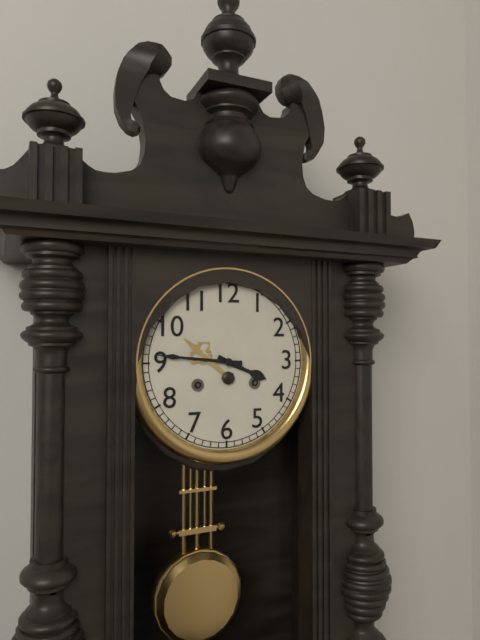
{"hour": 3, "minute": 46}
